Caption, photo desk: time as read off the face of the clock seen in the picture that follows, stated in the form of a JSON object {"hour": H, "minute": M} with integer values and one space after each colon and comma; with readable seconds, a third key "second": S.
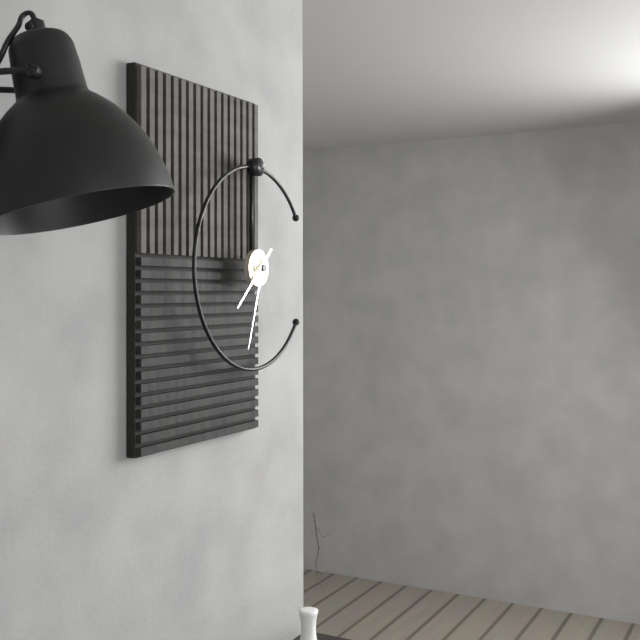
{"hour": 7, "minute": 33}
